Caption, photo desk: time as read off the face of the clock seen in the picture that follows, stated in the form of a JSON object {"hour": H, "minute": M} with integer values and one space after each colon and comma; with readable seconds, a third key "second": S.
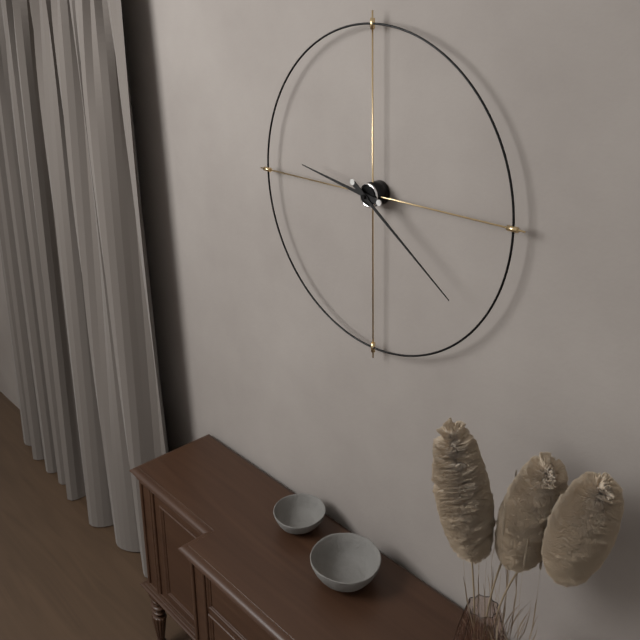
{"hour": 9, "minute": 21}
